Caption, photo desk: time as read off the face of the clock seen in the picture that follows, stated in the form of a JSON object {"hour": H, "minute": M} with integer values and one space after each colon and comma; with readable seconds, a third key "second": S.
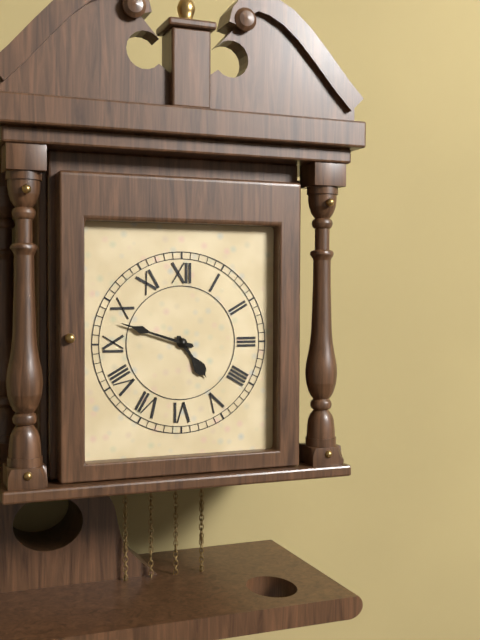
{"hour": 4, "minute": 48}
